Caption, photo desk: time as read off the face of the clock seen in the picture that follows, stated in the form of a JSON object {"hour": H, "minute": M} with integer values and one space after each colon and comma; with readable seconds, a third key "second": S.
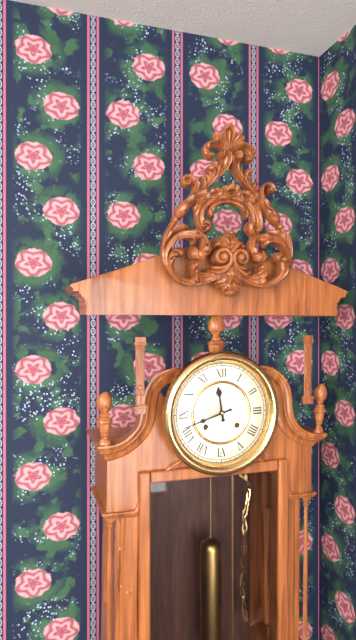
{"hour": 11, "minute": 42}
